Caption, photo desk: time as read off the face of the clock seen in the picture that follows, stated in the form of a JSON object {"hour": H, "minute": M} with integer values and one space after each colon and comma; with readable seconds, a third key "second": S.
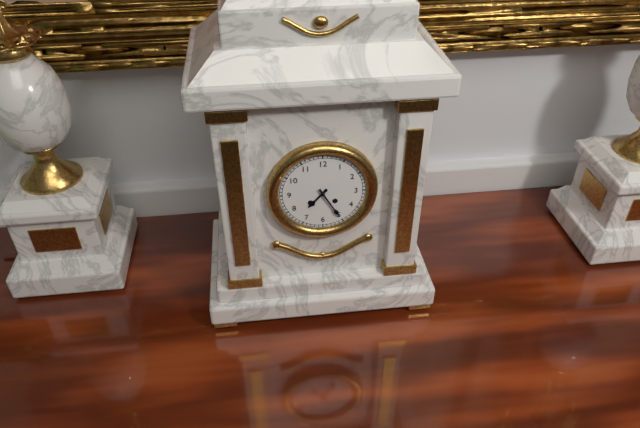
{"hour": 7, "minute": 25}
